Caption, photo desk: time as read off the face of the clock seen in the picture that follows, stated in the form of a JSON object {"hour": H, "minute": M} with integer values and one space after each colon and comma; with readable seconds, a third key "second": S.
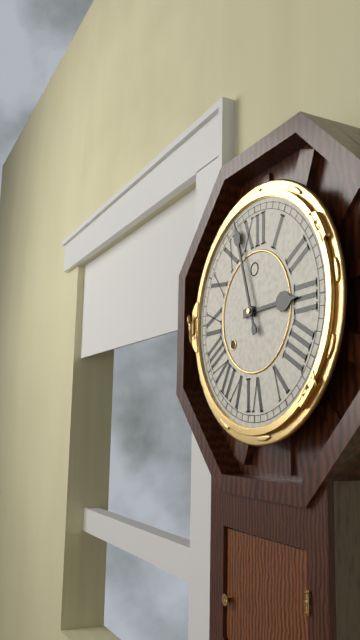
{"hour": 2, "minute": 57}
